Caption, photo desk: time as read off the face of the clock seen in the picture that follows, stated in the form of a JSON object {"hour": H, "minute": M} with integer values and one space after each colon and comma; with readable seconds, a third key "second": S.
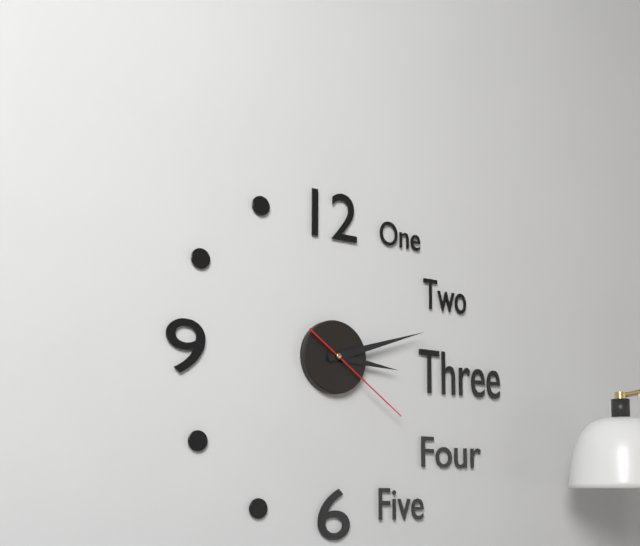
{"hour": 3, "minute": 12, "second": 21}
